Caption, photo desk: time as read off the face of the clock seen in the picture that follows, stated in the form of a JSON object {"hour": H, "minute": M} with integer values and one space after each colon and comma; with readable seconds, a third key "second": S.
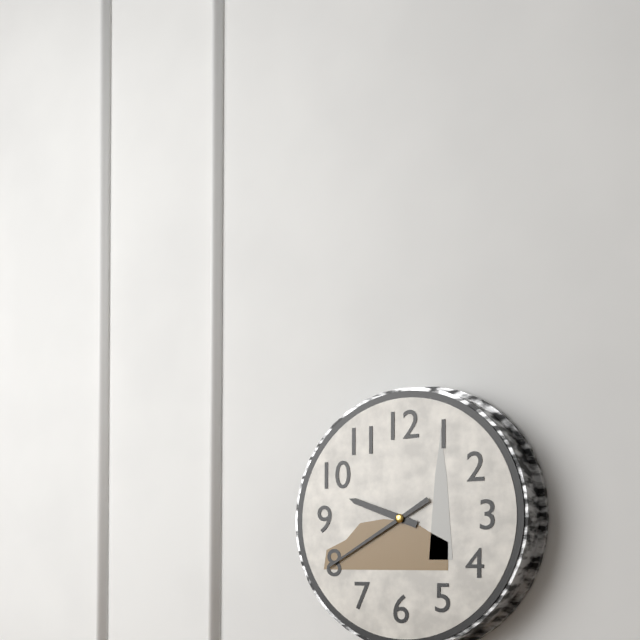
{"hour": 9, "minute": 40}
